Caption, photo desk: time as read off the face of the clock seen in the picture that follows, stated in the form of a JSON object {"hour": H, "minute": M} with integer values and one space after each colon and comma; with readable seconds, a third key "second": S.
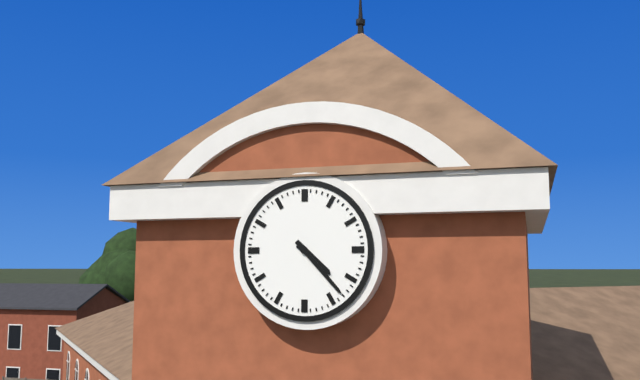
{"hour": 4, "minute": 23}
